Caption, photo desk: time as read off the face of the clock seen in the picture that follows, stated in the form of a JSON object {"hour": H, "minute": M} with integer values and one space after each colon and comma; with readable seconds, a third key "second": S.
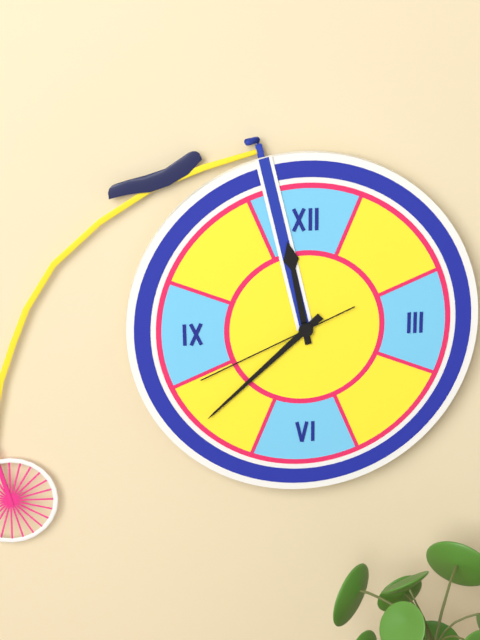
{"hour": 11, "minute": 38, "second": 41}
